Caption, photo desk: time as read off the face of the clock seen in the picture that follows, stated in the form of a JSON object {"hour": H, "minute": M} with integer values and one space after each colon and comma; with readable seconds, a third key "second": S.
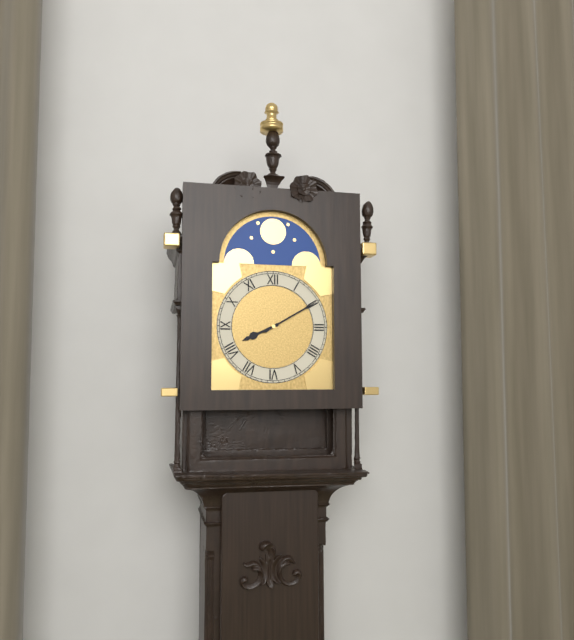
{"hour": 8, "minute": 10}
